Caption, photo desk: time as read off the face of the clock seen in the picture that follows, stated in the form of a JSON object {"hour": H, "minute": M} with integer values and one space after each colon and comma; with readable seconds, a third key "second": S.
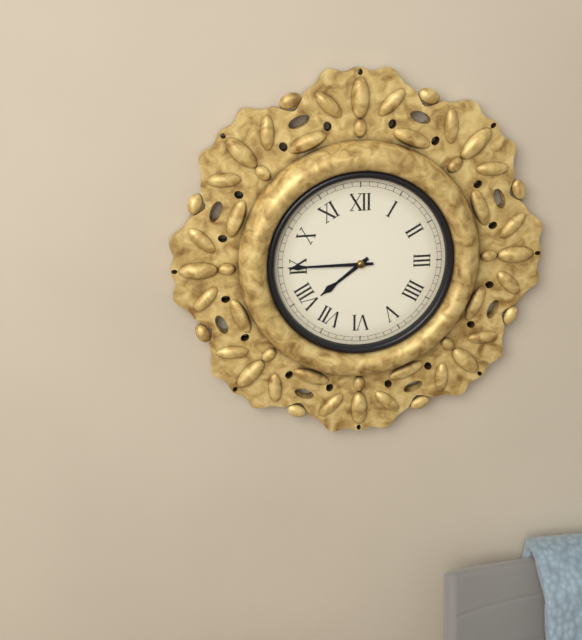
{"hour": 7, "minute": 45}
